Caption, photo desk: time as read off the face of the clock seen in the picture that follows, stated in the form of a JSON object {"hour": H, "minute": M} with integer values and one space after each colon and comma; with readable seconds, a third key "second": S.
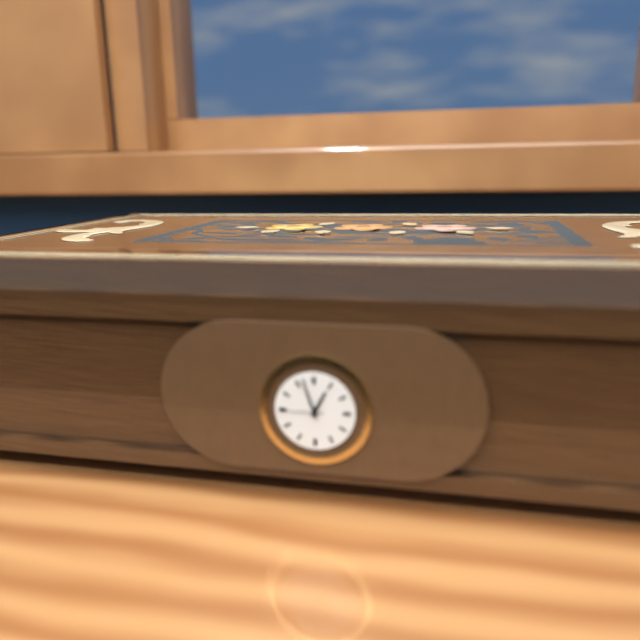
{"hour": 12, "minute": 57, "second": 45}
